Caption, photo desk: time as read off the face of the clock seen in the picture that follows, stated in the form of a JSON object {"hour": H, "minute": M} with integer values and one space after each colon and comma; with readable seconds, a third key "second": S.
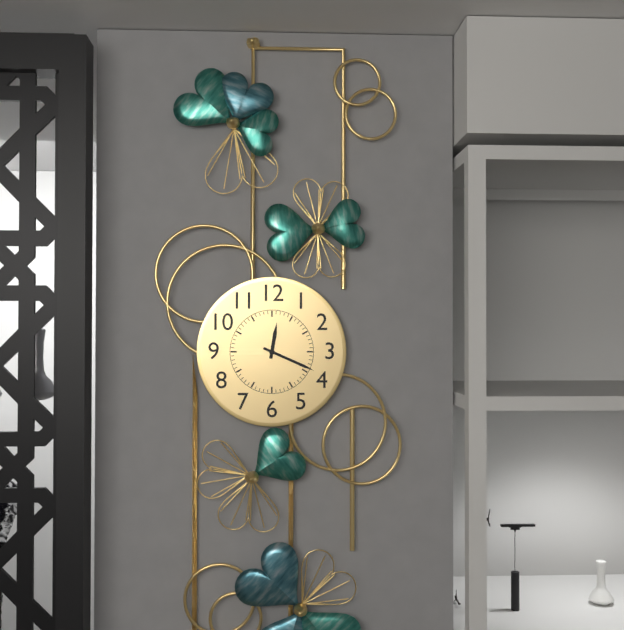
{"hour": 12, "minute": 19}
